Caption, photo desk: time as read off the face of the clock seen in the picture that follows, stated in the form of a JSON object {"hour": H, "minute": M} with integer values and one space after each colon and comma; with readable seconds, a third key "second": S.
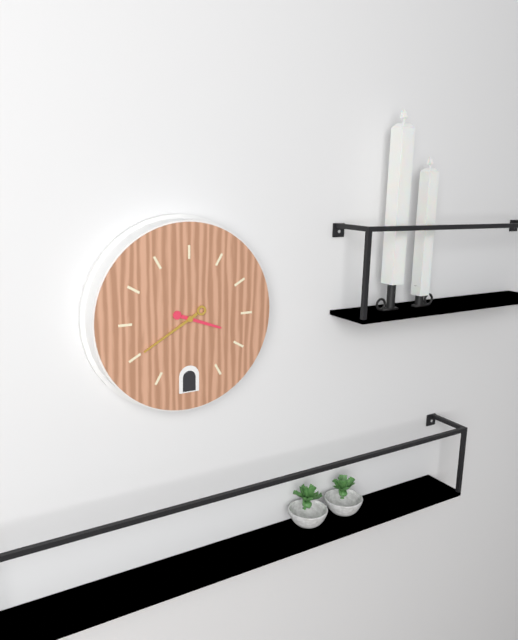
{"hour": 3, "minute": 40}
